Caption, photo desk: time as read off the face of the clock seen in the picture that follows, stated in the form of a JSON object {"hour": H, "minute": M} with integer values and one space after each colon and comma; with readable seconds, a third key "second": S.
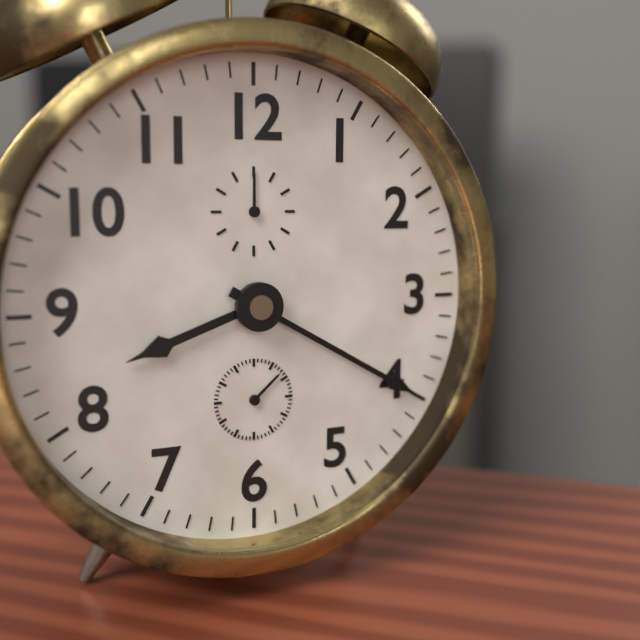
{"hour": 8, "minute": 20}
